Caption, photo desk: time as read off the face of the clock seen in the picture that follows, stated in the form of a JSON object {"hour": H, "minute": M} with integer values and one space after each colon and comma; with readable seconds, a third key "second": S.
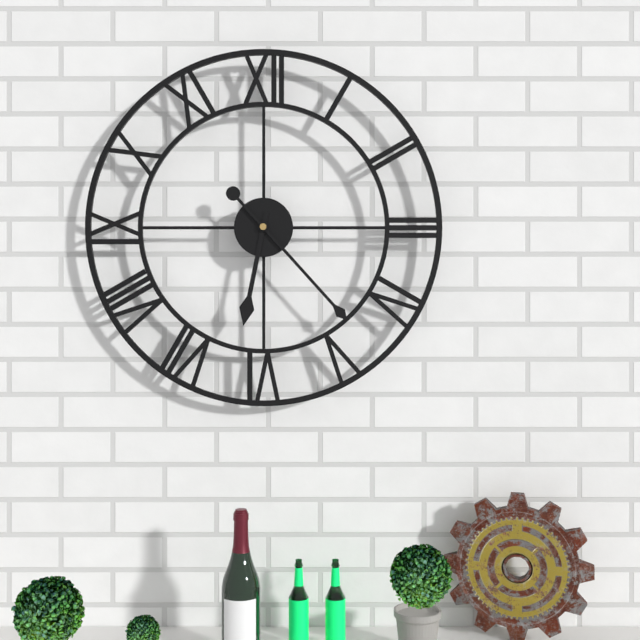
{"hour": 6, "minute": 23}
